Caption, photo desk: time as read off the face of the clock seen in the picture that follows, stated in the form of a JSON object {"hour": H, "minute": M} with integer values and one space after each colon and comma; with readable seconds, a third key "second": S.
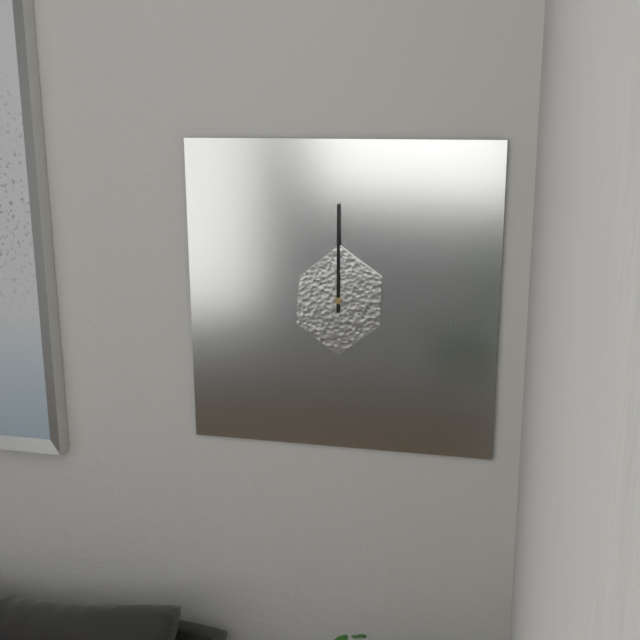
{"hour": 12, "minute": 0}
